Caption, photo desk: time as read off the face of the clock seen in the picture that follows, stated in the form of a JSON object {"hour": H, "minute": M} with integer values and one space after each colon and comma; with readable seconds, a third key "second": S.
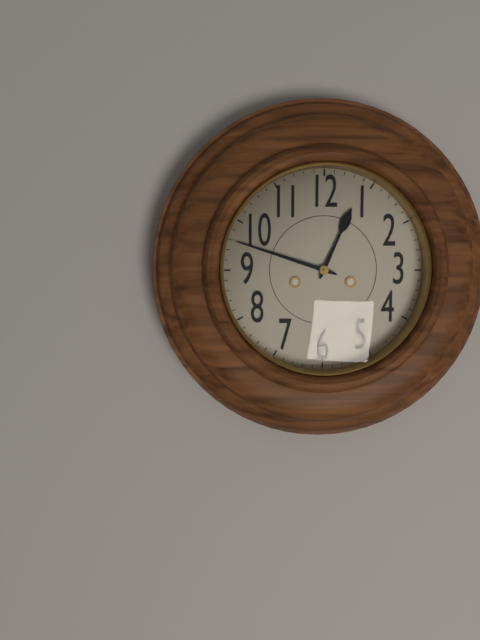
{"hour": 12, "minute": 48}
